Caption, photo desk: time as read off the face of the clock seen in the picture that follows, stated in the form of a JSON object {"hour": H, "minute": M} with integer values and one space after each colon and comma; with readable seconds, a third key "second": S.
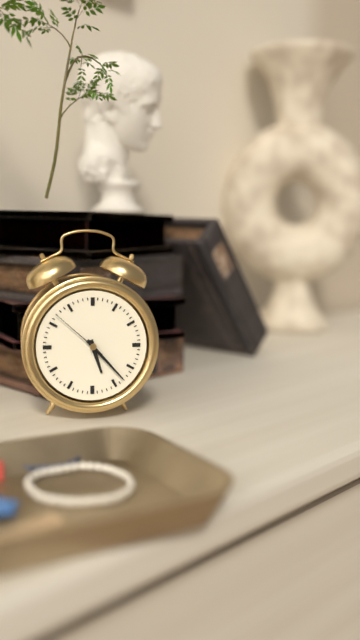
{"hour": 5, "minute": 23, "second": 52}
